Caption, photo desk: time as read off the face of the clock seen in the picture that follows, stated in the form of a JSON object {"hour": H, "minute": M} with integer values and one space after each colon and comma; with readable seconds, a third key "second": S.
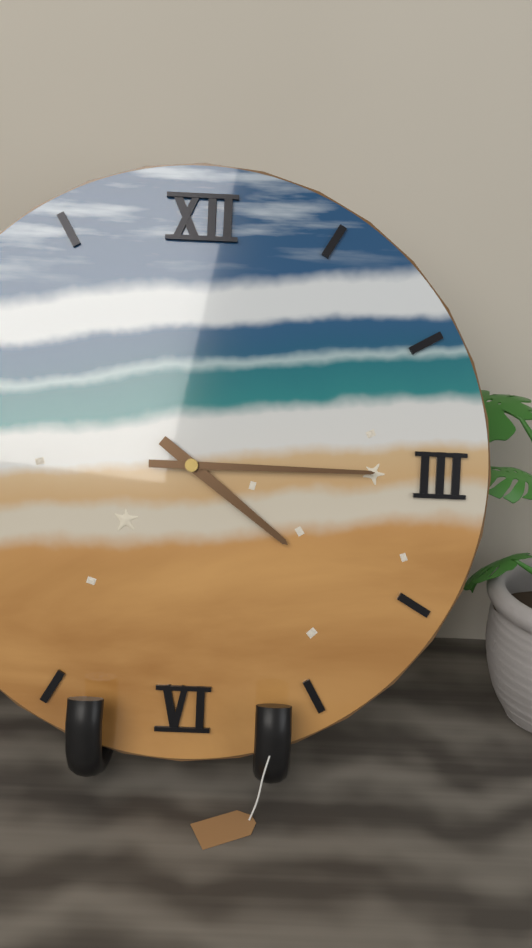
{"hour": 4, "minute": 15}
